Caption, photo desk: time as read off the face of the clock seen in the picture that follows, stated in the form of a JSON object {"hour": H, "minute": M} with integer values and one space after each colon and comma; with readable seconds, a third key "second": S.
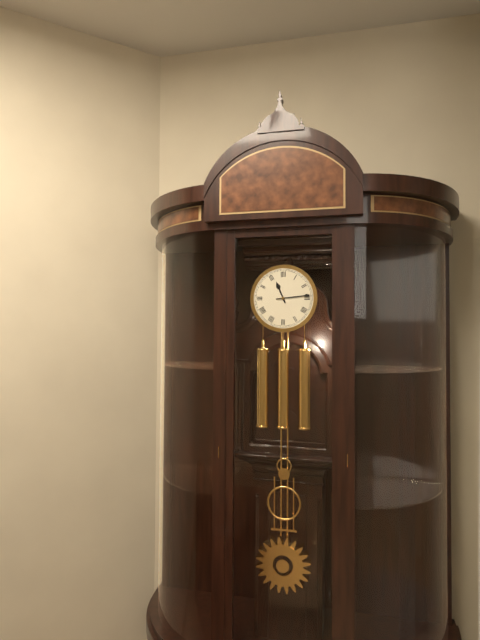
{"hour": 11, "minute": 14}
